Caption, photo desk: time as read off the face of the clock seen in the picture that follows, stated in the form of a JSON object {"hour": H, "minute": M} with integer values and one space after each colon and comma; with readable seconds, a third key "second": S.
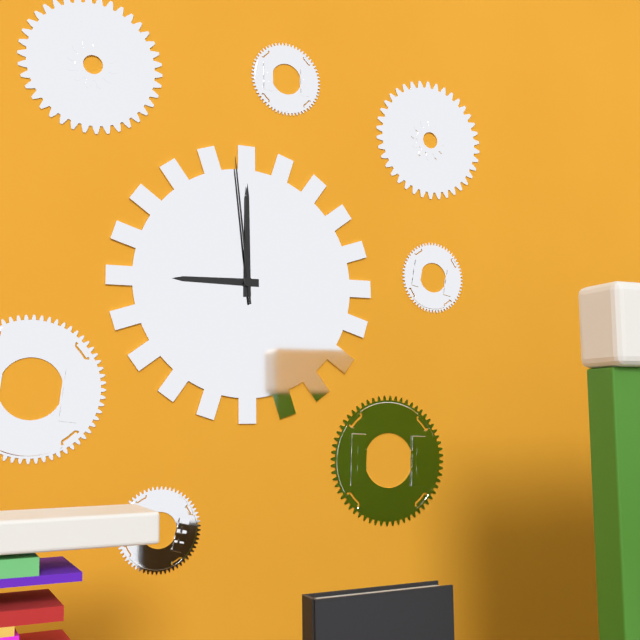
{"hour": 9, "minute": 0, "second": 59}
